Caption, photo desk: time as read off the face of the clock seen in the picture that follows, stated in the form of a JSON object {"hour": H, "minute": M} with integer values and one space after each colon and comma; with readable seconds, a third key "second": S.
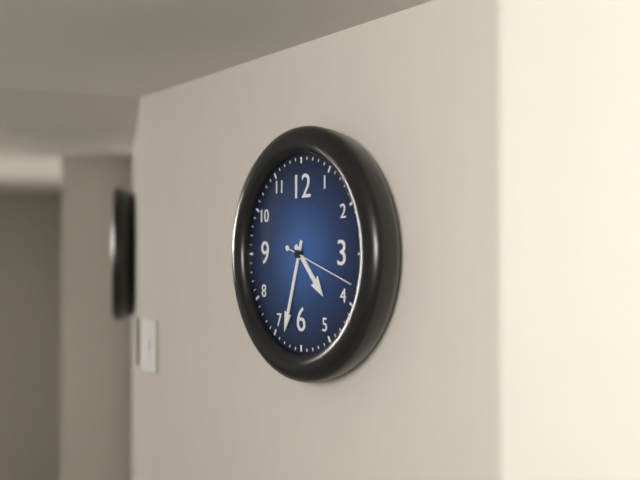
{"hour": 4, "minute": 33, "second": 18}
